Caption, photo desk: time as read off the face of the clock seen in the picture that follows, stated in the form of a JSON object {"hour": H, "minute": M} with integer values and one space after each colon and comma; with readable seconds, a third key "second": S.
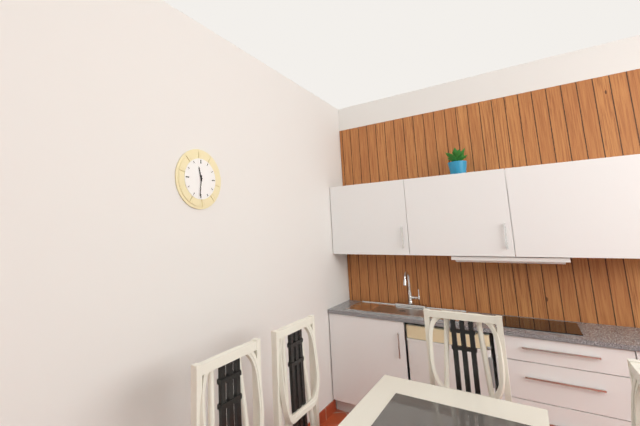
{"hour": 11, "minute": 31}
